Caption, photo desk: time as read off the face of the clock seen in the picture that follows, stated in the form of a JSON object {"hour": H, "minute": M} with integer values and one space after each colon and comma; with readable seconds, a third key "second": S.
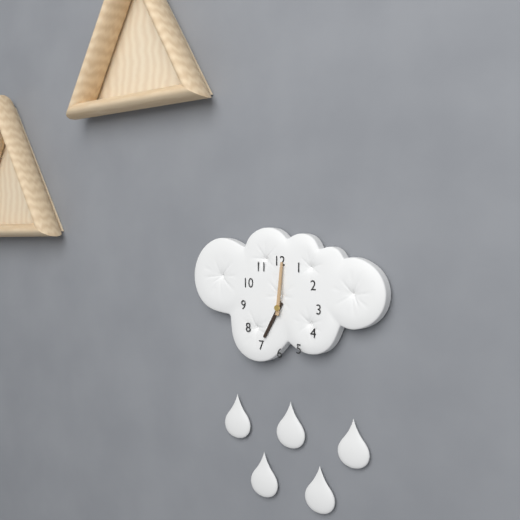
{"hour": 7, "minute": 1}
